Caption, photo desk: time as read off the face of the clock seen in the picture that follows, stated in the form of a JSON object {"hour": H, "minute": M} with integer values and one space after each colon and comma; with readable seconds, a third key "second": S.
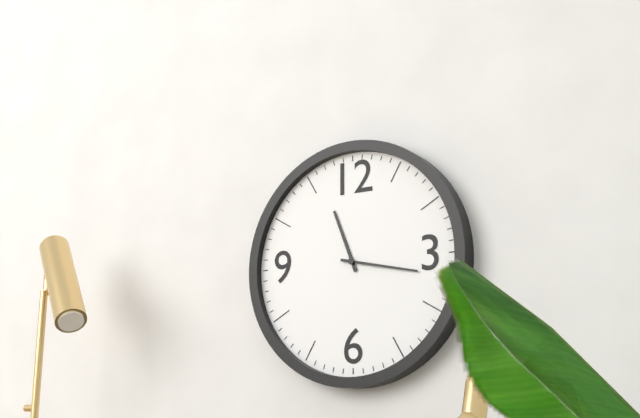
{"hour": 11, "minute": 17}
